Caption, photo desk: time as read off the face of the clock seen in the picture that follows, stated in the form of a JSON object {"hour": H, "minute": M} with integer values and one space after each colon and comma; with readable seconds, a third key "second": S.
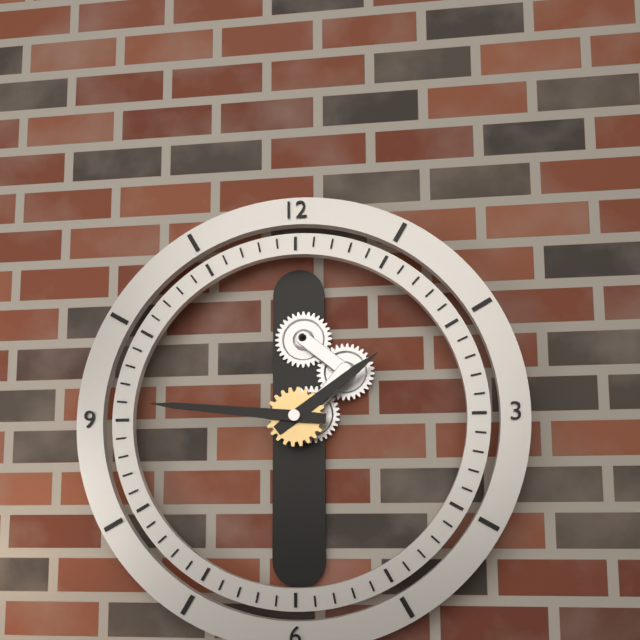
{"hour": 1, "minute": 46}
